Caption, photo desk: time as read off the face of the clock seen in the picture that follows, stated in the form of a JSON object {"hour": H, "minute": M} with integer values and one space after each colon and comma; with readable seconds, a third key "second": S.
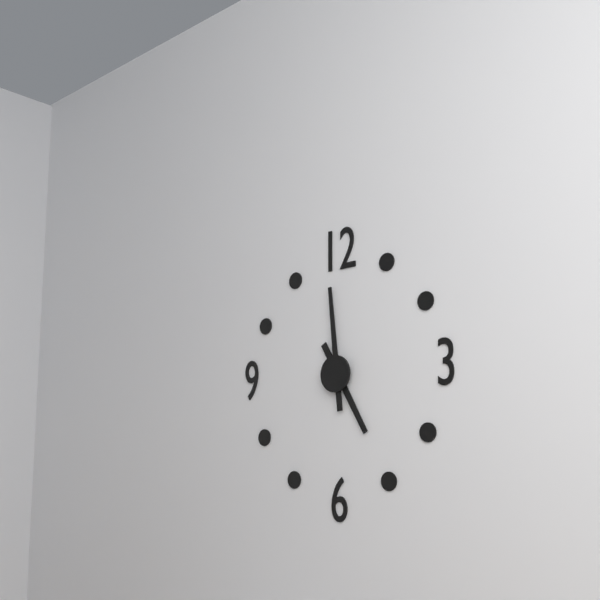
{"hour": 4, "minute": 59}
